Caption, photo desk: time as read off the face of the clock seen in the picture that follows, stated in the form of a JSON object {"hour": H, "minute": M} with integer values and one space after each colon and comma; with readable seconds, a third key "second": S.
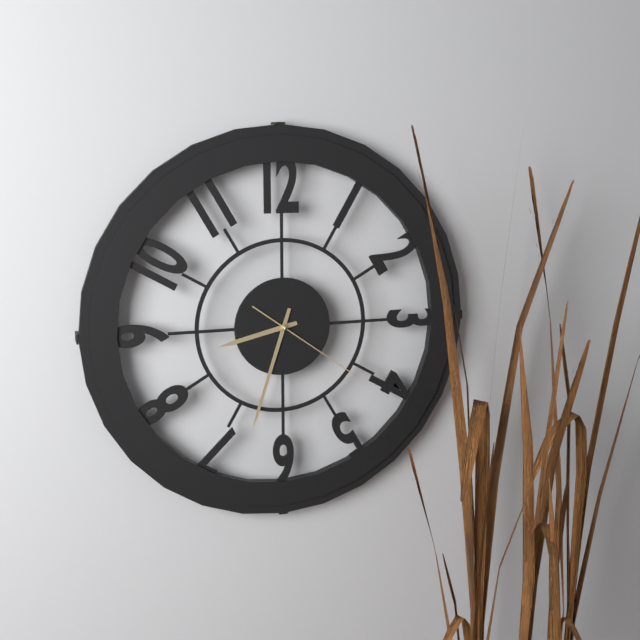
{"hour": 8, "minute": 33, "second": 21}
